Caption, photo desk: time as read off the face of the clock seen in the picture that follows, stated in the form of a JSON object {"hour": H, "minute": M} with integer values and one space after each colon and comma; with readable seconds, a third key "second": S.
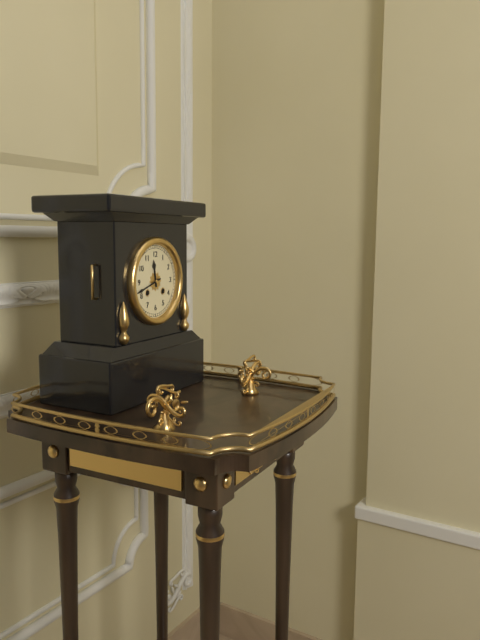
{"hour": 11, "minute": 42}
